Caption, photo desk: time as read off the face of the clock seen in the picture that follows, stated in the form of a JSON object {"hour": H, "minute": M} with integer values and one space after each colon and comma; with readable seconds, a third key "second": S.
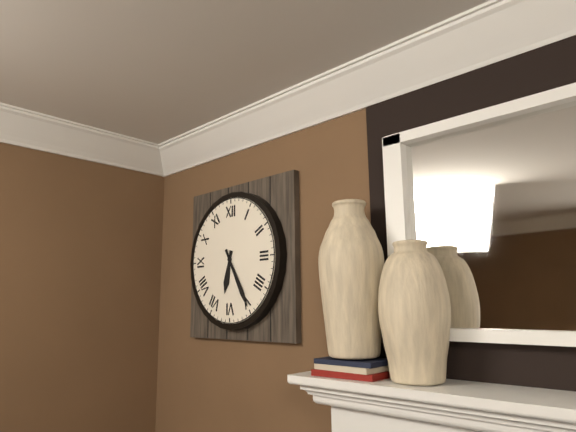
{"hour": 6, "minute": 25}
